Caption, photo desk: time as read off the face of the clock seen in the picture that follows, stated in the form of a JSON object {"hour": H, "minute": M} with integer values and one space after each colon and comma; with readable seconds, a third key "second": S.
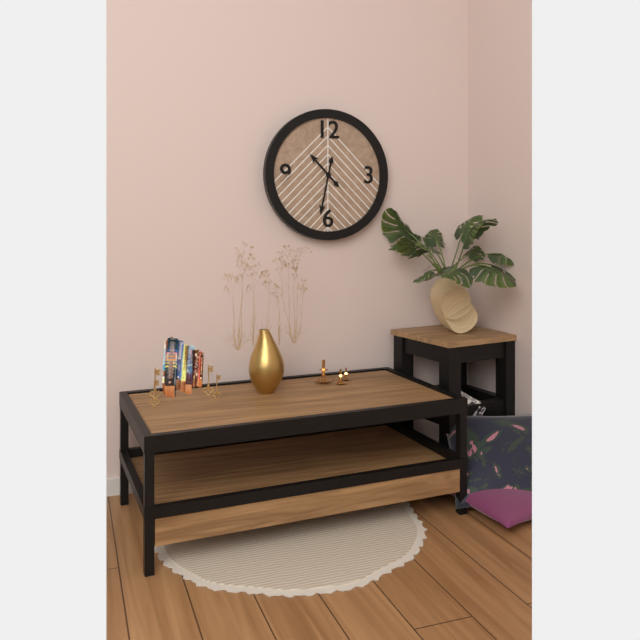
{"hour": 10, "minute": 32}
